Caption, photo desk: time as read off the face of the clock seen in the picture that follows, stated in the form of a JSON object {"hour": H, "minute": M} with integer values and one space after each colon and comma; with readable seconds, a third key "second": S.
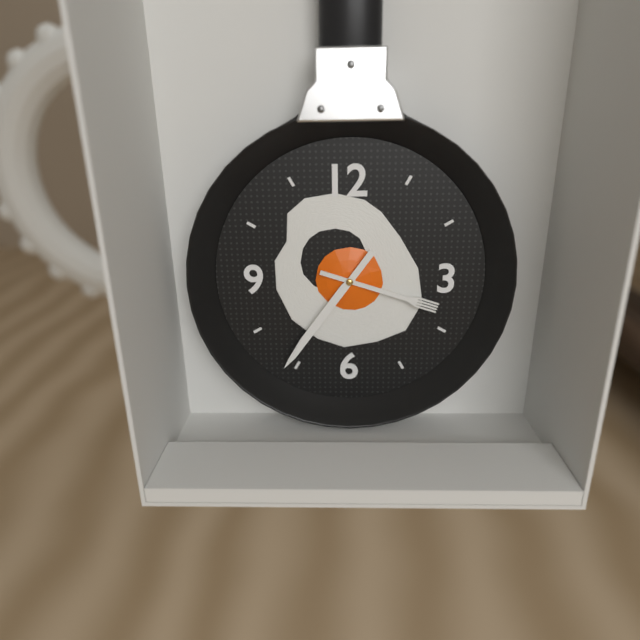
{"hour": 3, "minute": 36}
